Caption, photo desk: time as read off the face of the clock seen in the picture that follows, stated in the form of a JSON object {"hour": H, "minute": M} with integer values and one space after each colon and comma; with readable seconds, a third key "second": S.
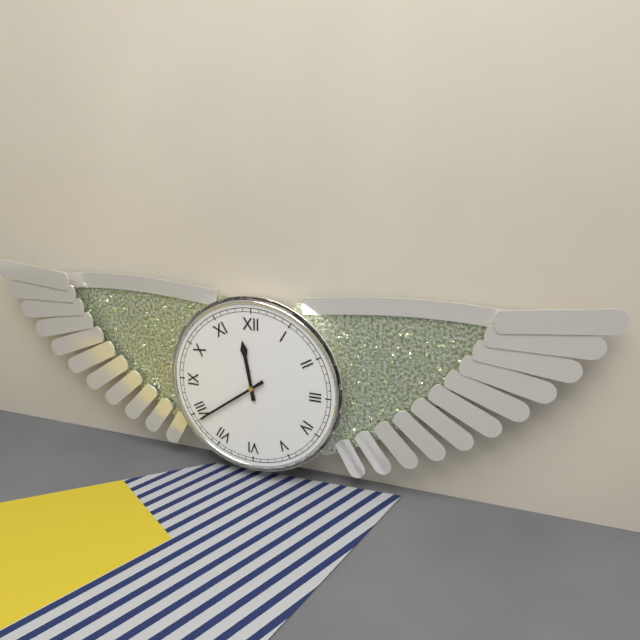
{"hour": 11, "minute": 39}
